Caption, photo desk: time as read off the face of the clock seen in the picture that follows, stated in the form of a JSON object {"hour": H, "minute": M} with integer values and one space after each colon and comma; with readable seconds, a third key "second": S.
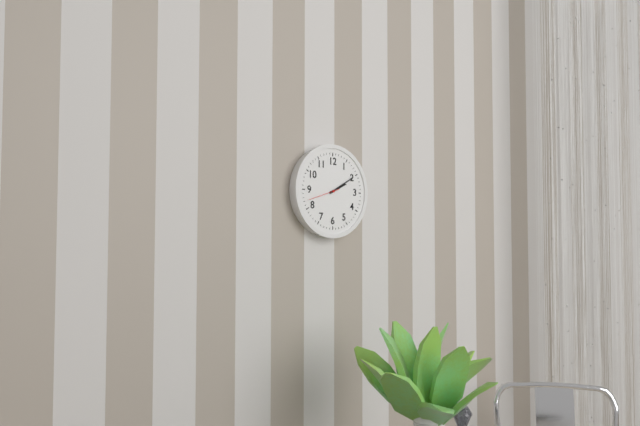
{"hour": 2, "minute": 10}
